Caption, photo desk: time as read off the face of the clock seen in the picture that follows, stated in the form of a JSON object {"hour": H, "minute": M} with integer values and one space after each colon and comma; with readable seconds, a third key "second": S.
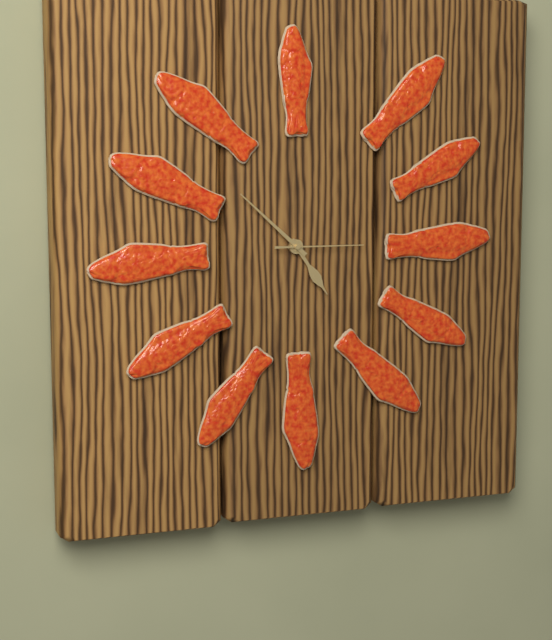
{"hour": 4, "minute": 52, "second": 15}
